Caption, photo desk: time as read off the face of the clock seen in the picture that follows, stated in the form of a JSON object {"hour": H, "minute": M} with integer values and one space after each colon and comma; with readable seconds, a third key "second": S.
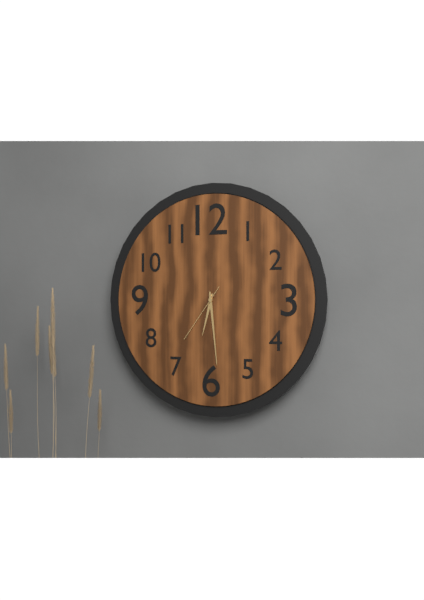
{"hour": 6, "minute": 29, "second": 36}
